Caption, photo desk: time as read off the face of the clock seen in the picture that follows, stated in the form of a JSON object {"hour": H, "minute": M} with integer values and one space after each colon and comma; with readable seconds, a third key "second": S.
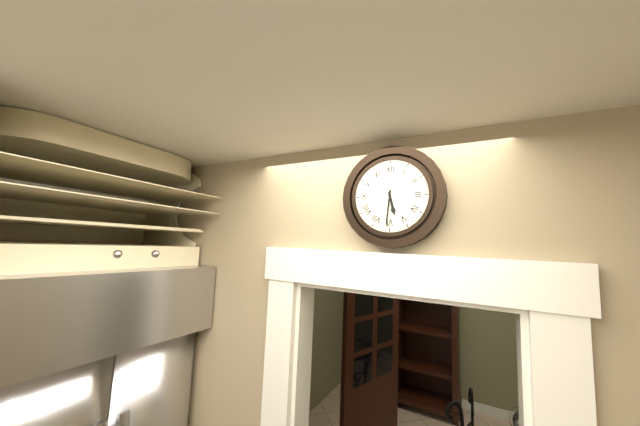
{"hour": 5, "minute": 31}
